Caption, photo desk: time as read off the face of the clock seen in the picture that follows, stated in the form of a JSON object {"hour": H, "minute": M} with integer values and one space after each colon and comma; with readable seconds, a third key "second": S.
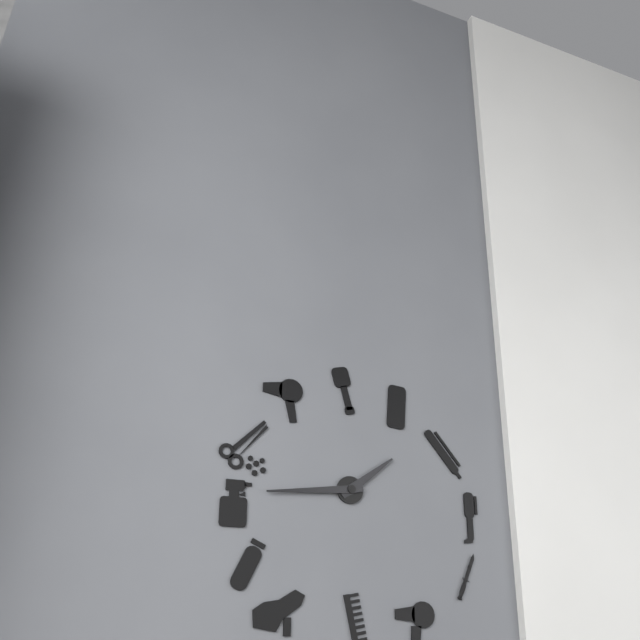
{"hour": 1, "minute": 44}
